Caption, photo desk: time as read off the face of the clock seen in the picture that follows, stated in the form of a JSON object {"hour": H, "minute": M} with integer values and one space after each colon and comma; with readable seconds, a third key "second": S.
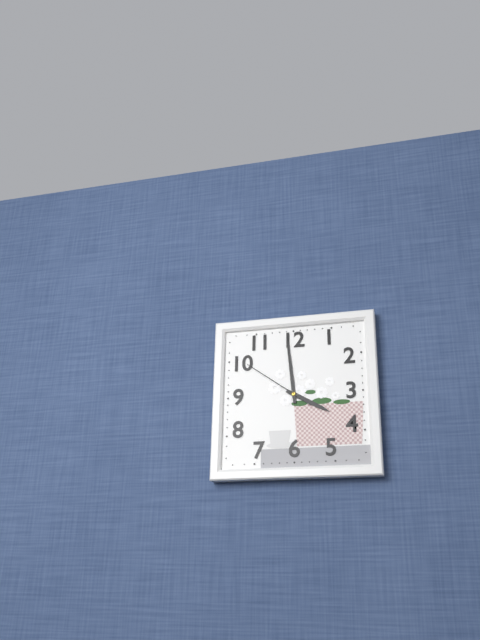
{"hour": 3, "minute": 59, "second": 51}
